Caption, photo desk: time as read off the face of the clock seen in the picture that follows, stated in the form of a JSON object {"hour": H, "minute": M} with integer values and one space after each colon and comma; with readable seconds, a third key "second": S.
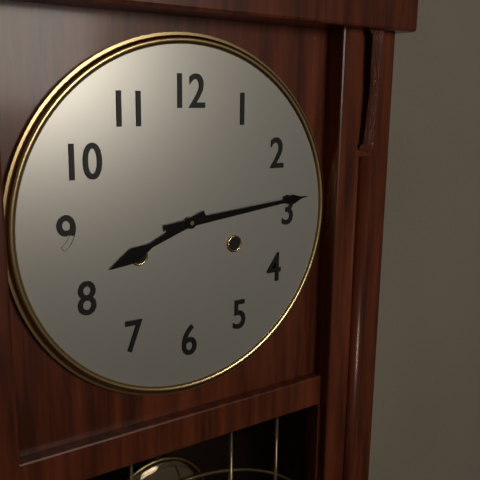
{"hour": 8, "minute": 14}
